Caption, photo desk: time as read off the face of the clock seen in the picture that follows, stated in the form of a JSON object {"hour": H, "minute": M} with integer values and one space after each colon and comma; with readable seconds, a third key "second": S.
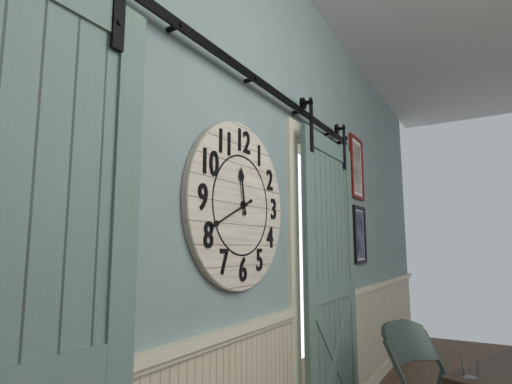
{"hour": 11, "minute": 41}
